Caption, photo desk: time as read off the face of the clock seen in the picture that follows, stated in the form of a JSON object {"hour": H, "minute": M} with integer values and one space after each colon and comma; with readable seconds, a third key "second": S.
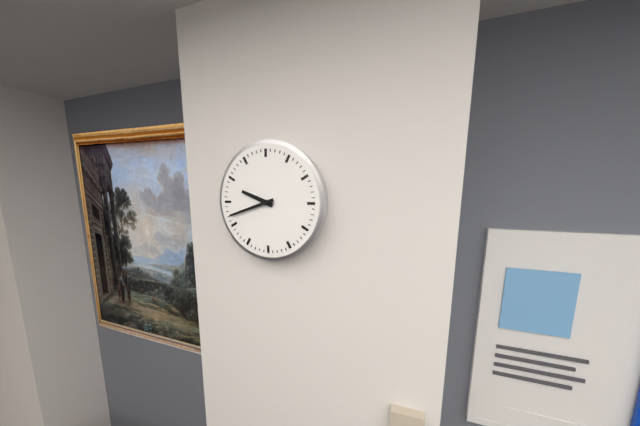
{"hour": 9, "minute": 42}
